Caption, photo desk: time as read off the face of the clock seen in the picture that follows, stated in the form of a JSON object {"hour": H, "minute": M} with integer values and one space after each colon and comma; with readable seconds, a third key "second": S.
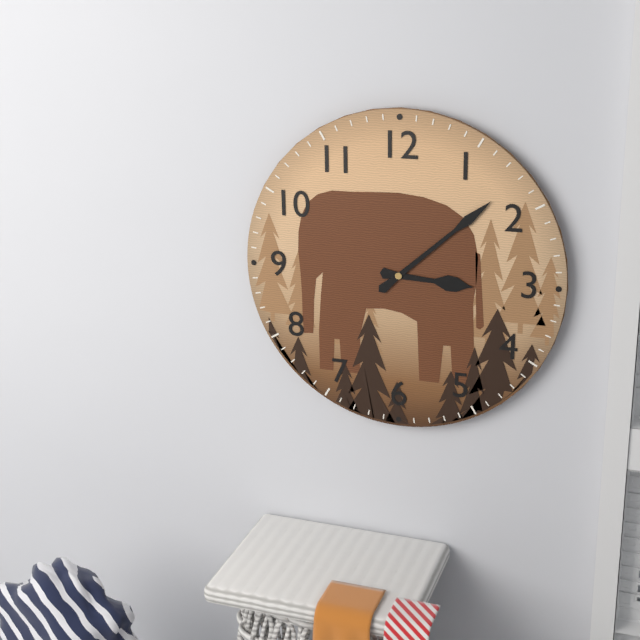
{"hour": 3, "minute": 8}
